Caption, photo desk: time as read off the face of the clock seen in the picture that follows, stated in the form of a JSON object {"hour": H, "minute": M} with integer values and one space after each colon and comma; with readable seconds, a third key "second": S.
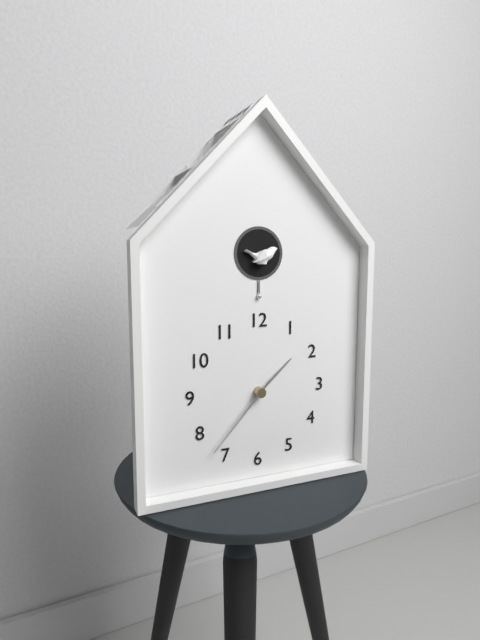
{"hour": 1, "minute": 37}
